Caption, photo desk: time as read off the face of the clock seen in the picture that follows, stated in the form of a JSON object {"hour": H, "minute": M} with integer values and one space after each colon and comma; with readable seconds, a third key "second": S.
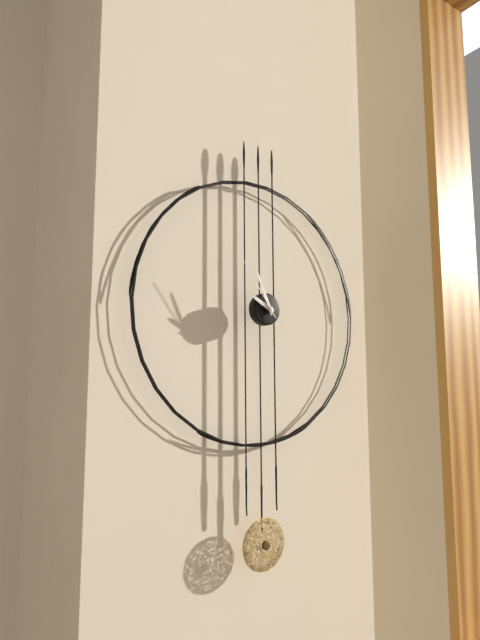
{"hour": 9, "minute": 56, "second": 54}
